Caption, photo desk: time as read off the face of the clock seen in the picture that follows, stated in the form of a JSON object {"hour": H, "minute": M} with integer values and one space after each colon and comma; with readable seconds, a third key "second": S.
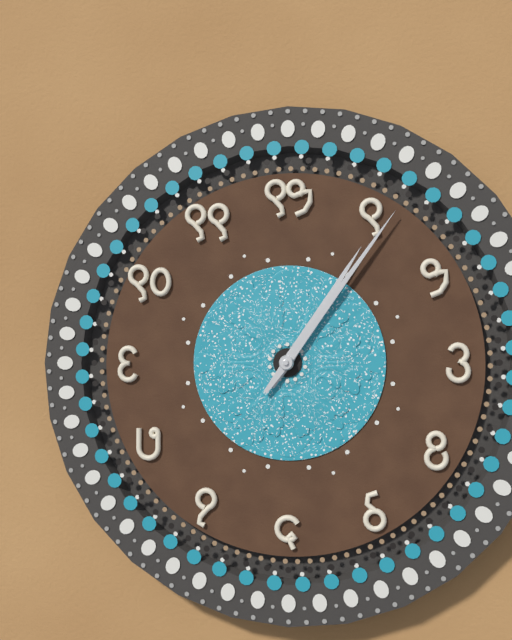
{"hour": 1, "minute": 6}
